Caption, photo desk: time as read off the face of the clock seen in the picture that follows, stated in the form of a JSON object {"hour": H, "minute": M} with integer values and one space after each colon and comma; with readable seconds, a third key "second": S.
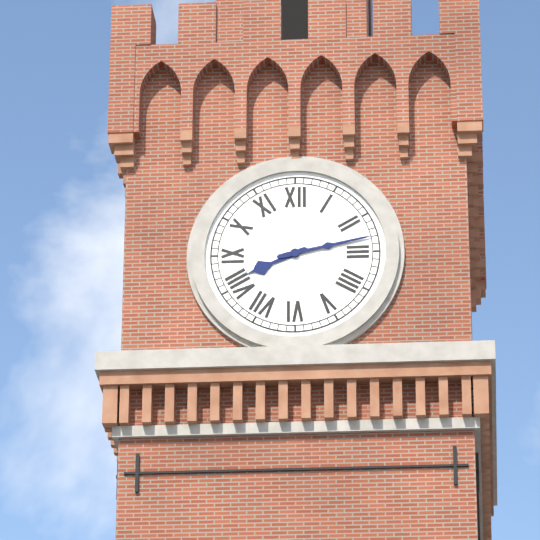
{"hour": 8, "minute": 13}
